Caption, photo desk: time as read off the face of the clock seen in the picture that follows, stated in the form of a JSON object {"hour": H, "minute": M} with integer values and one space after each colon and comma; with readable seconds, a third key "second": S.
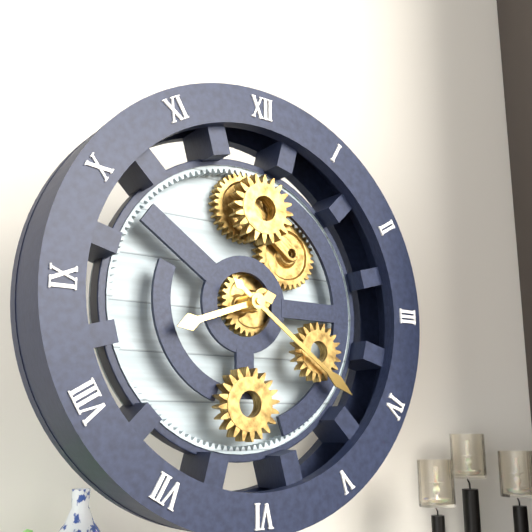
{"hour": 8, "minute": 21}
